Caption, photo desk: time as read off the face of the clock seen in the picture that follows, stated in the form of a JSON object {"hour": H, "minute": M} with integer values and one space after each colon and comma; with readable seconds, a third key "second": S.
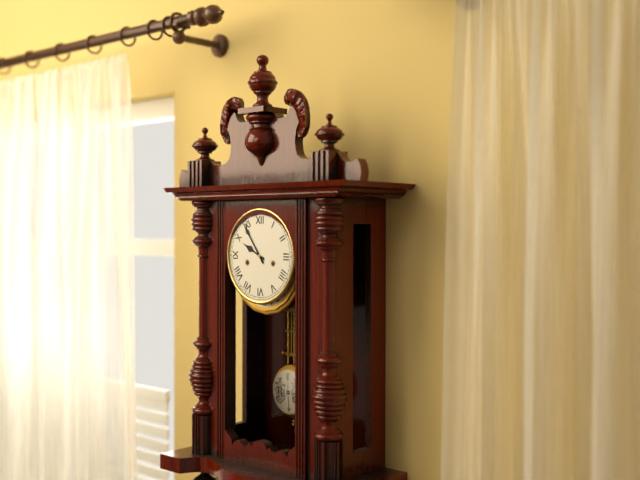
{"hour": 9, "minute": 54}
